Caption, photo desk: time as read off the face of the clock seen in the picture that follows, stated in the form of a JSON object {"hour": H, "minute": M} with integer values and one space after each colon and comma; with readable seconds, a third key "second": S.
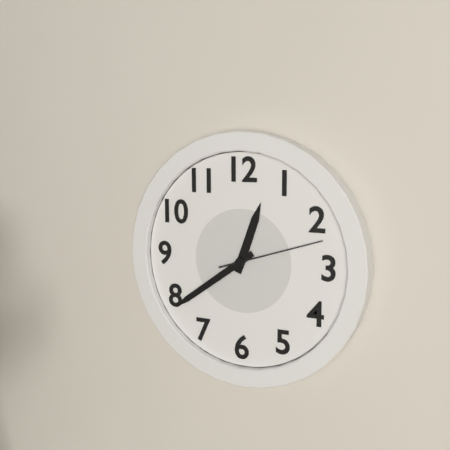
{"hour": 12, "minute": 39, "second": 12}
